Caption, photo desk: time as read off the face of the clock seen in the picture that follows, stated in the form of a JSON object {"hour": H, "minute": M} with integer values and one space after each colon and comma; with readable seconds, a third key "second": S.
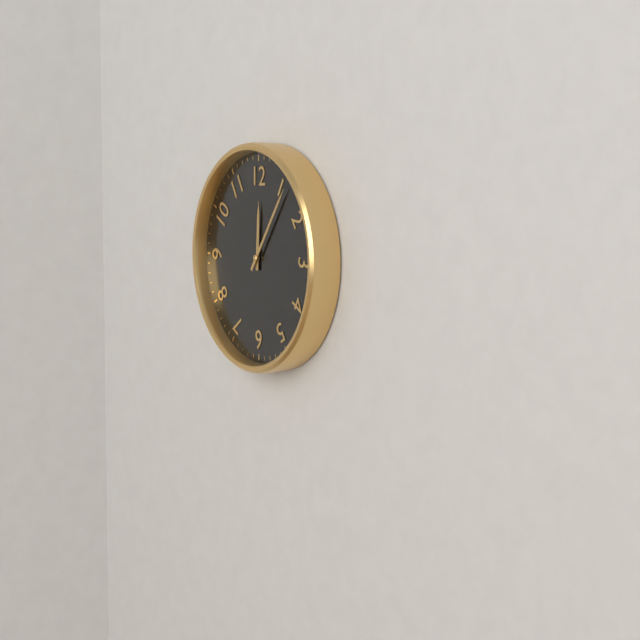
{"hour": 12, "minute": 6}
